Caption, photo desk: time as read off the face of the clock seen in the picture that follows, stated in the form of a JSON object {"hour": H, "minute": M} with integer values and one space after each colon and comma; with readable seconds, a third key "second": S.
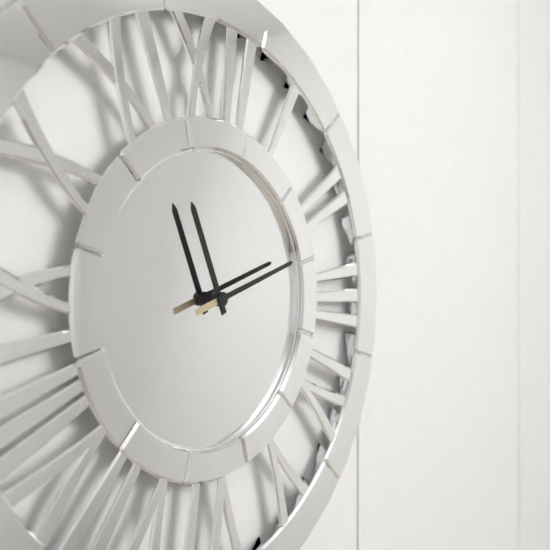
{"hour": 11, "minute": 12}
